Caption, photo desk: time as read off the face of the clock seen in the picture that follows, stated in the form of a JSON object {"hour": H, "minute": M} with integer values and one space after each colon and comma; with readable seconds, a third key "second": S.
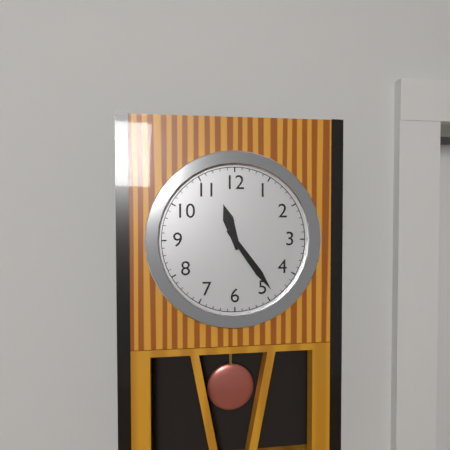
{"hour": 11, "minute": 24}
